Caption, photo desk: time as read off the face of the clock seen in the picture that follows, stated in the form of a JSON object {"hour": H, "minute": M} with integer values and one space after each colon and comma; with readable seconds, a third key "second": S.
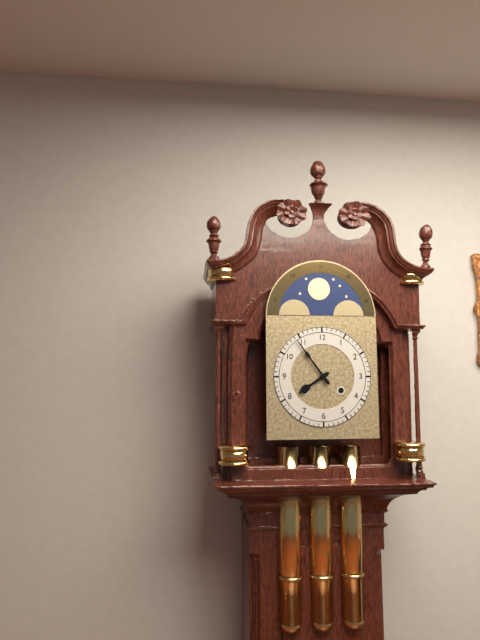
{"hour": 7, "minute": 54}
